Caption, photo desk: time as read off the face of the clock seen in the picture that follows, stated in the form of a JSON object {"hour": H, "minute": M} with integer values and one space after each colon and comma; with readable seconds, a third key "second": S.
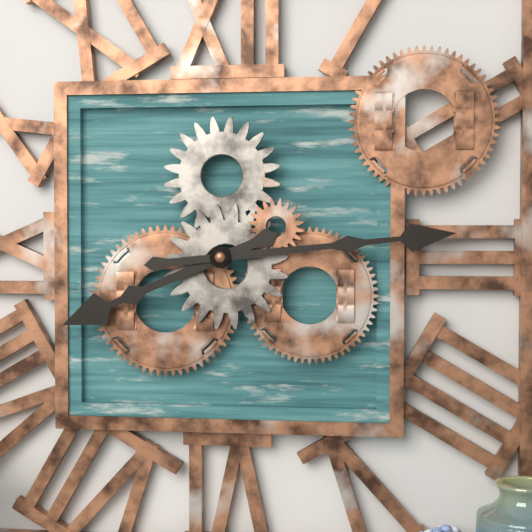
{"hour": 8, "minute": 14}
